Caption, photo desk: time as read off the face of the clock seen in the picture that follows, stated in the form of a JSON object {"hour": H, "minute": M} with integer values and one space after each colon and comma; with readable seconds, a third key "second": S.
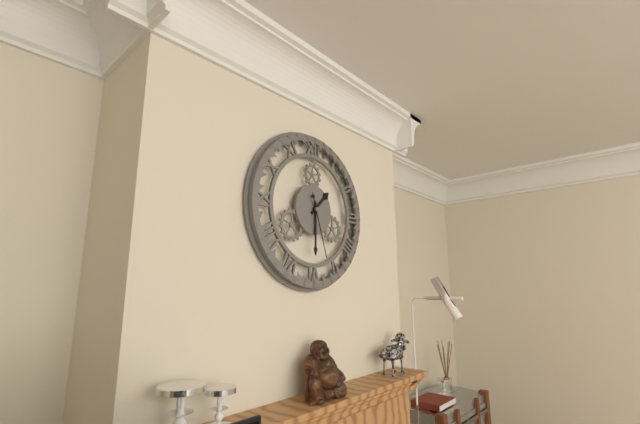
{"hour": 1, "minute": 30, "second": 27}
